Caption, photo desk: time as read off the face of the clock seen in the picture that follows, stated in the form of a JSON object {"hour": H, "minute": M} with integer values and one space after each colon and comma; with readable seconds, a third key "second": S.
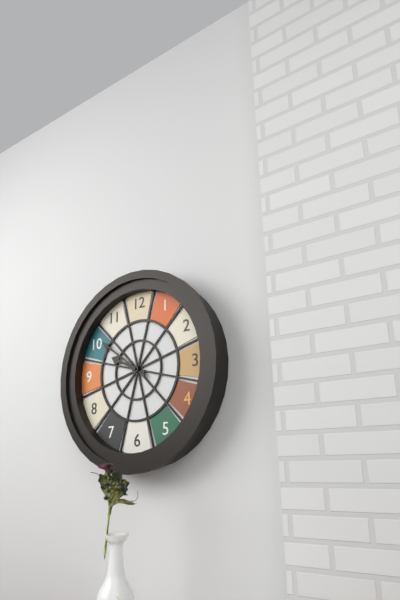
{"hour": 9, "minute": 51}
